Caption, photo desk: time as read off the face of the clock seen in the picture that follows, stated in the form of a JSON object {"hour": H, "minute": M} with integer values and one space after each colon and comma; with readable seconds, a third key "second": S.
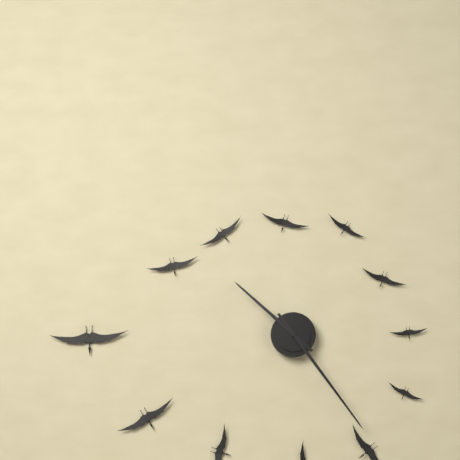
{"hour": 10, "minute": 24}
